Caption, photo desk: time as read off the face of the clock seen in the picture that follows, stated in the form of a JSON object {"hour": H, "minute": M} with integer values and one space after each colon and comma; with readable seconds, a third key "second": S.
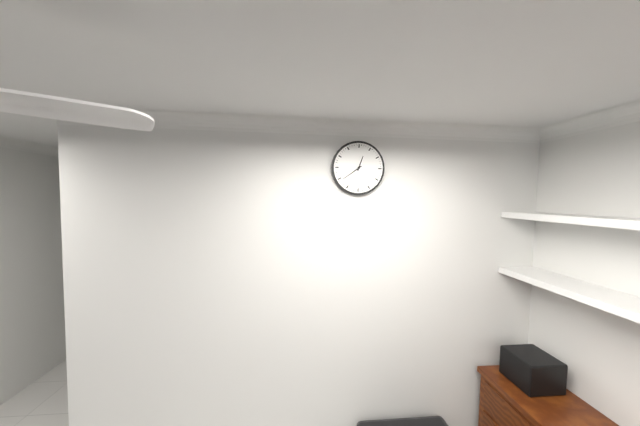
{"hour": 12, "minute": 39}
